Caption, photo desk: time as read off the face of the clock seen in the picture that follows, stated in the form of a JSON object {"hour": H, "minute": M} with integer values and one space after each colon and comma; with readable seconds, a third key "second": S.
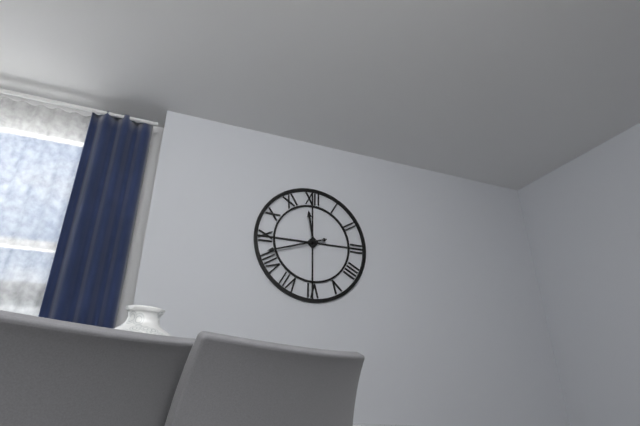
{"hour": 11, "minute": 42}
